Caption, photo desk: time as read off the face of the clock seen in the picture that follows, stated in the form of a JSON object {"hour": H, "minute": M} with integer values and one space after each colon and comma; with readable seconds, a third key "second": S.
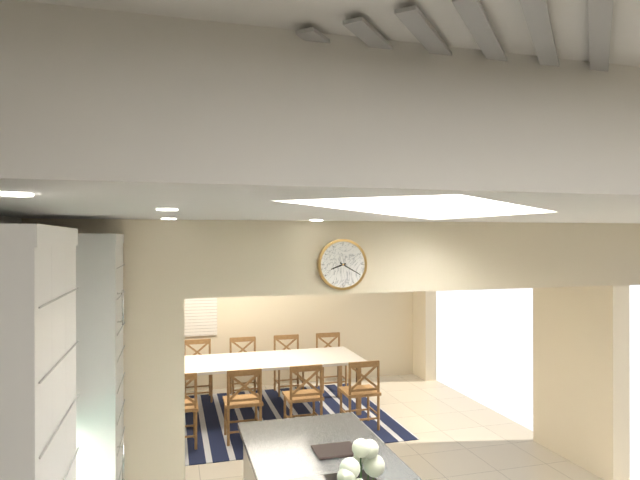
{"hour": 8, "minute": 20}
